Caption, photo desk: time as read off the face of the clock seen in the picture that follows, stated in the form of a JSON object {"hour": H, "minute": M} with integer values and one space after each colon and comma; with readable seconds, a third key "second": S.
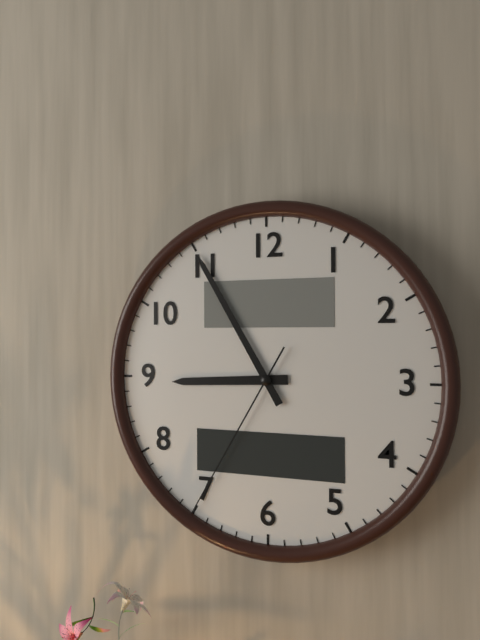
{"hour": 8, "minute": 55, "second": 35}
